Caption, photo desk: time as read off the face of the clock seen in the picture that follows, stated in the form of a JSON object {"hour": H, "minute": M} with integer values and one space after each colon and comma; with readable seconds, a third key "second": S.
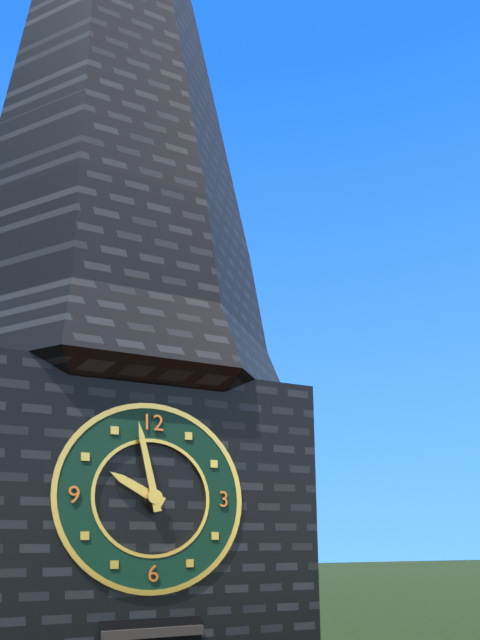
{"hour": 9, "minute": 58}
